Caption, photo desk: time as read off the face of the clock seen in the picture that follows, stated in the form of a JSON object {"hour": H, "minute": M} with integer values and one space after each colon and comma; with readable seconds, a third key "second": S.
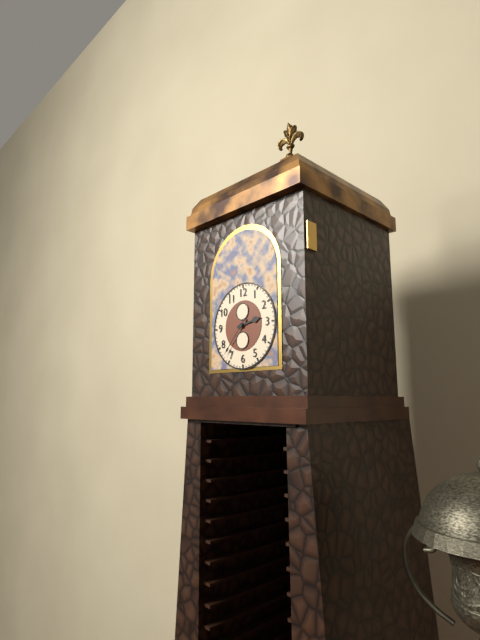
{"hour": 2, "minute": 37}
